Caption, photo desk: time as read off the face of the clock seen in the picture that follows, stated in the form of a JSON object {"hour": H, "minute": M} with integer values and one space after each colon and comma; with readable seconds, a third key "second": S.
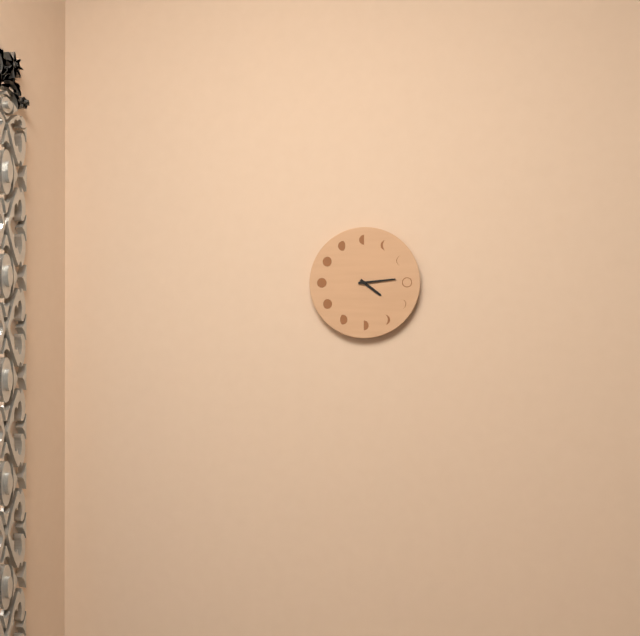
{"hour": 4, "minute": 14}
